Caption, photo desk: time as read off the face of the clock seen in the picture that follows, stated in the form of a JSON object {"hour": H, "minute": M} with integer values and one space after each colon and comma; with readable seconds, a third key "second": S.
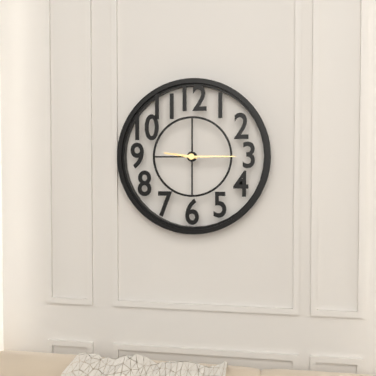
{"hour": 9, "minute": 15}
